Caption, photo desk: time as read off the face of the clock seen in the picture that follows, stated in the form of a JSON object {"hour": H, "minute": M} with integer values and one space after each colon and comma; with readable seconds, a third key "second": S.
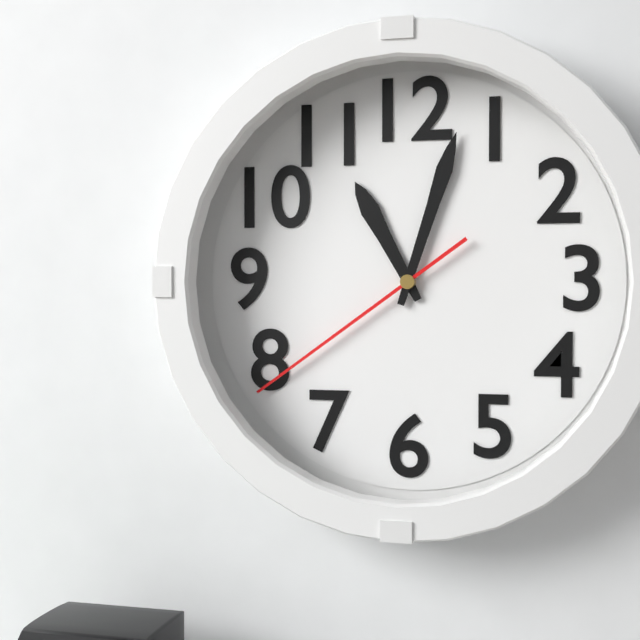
{"hour": 11, "minute": 3, "second": 39}
